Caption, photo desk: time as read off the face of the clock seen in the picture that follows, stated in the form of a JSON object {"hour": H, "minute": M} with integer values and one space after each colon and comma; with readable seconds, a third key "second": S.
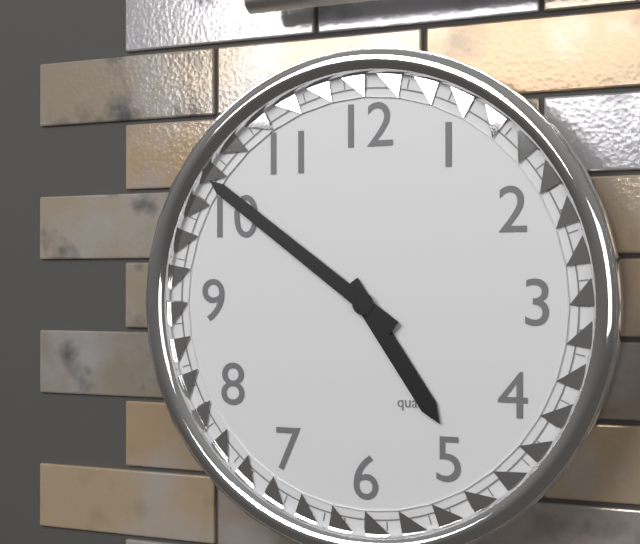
{"hour": 4, "minute": 51}
